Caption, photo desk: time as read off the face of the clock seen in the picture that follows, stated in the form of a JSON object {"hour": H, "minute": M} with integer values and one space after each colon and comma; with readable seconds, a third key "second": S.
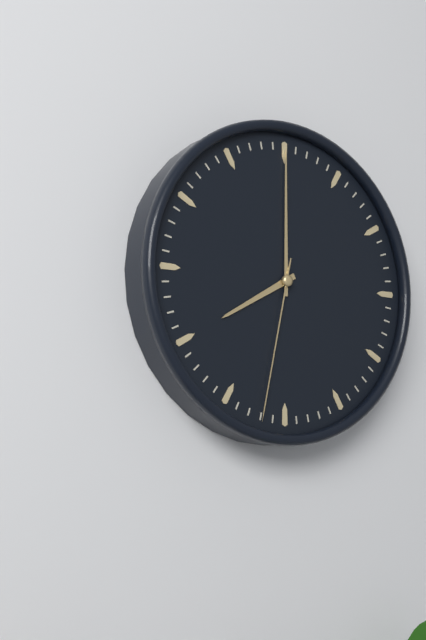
{"hour": 8, "minute": 0, "second": 32}
